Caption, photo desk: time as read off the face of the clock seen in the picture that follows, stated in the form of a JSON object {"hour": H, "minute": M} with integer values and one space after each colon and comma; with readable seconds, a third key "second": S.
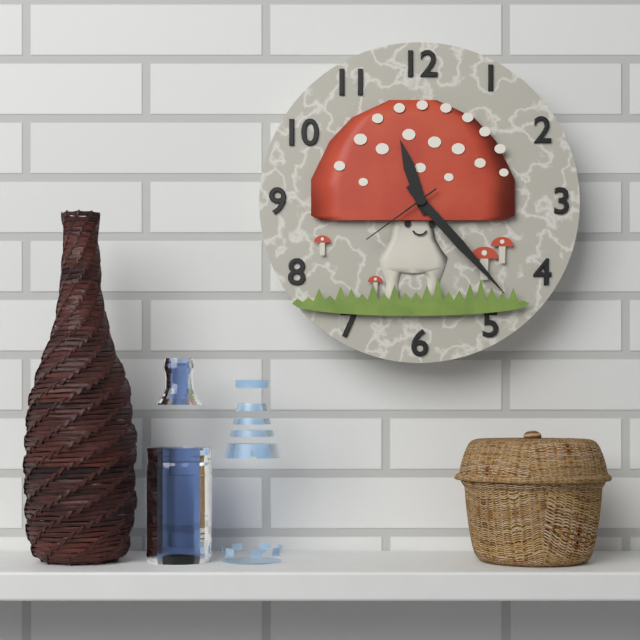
{"hour": 11, "minute": 23, "second": 39}
